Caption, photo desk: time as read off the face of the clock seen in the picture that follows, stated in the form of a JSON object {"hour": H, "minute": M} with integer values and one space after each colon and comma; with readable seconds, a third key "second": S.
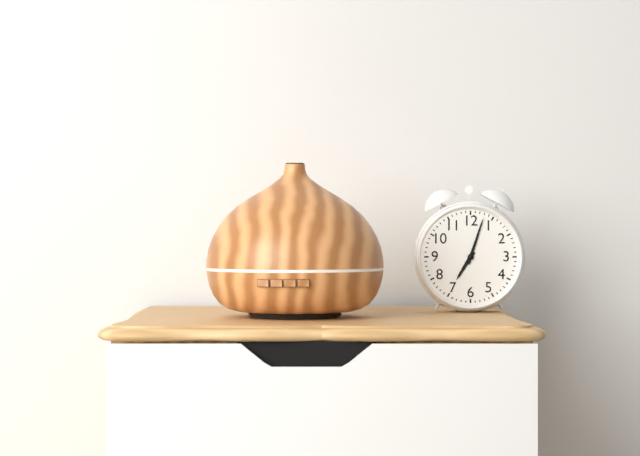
{"hour": 7, "minute": 3}
